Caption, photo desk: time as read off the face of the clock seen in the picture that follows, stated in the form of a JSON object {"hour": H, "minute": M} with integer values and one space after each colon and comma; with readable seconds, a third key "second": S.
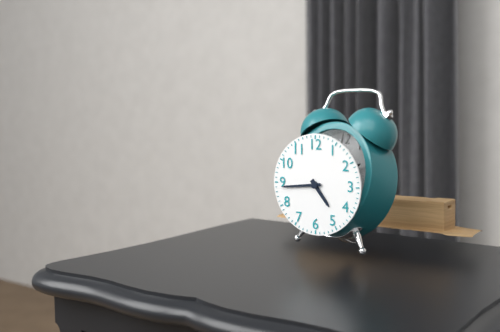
{"hour": 4, "minute": 44}
